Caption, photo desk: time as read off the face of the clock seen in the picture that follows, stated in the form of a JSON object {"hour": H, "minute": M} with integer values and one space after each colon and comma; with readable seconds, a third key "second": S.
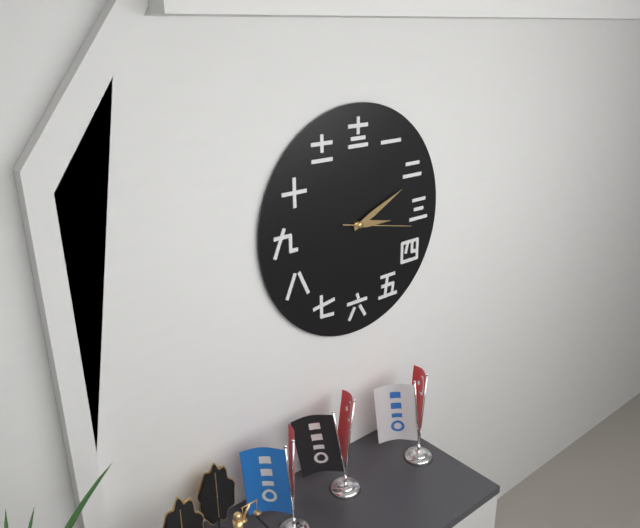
{"hour": 3, "minute": 11, "second": 17}
